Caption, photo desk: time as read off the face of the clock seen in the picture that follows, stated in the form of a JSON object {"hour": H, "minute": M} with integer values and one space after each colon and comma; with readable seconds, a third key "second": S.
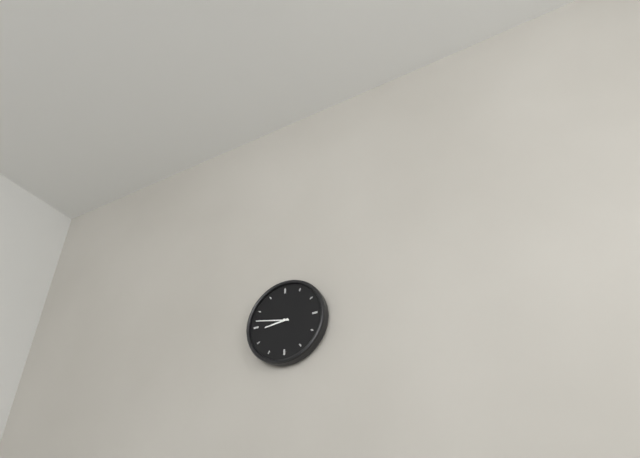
{"hour": 8, "minute": 47}
